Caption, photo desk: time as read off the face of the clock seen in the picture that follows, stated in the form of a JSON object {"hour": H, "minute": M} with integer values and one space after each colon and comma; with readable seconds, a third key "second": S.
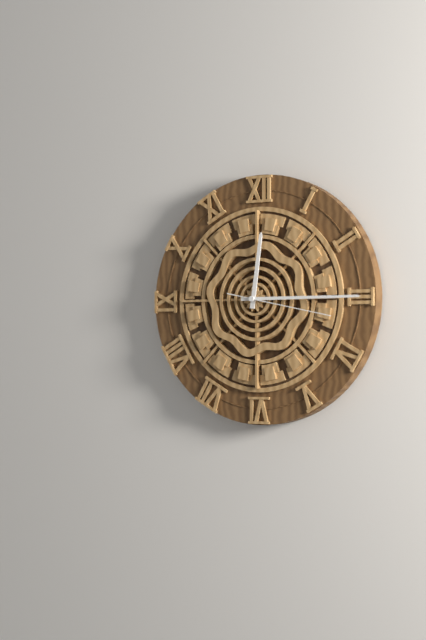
{"hour": 12, "minute": 15, "second": 17}
